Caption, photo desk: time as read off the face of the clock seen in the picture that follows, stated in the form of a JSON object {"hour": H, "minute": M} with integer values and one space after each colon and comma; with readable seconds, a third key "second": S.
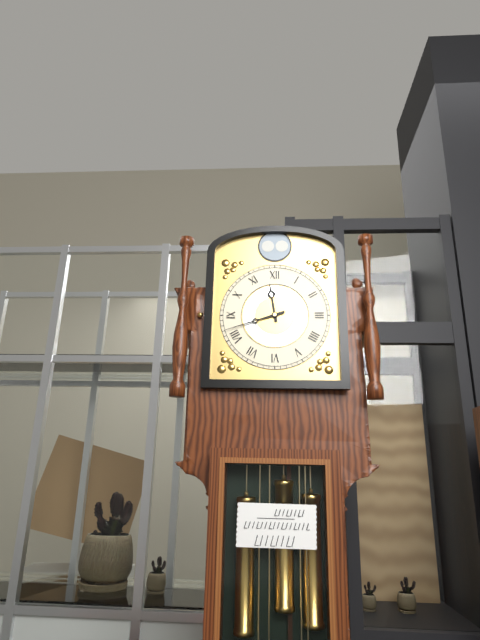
{"hour": 11, "minute": 42}
